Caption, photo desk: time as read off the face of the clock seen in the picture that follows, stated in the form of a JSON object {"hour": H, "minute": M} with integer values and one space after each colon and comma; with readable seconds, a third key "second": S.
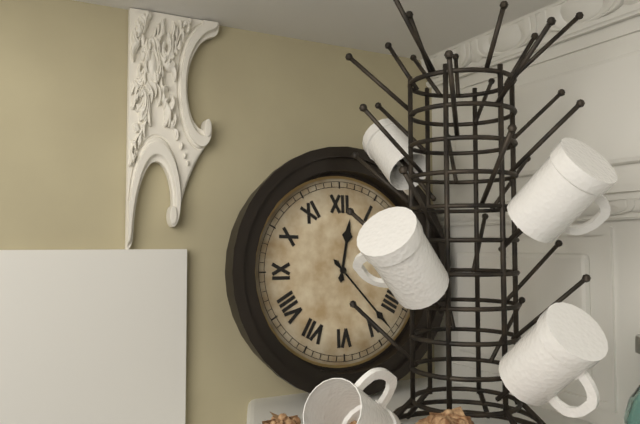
{"hour": 12, "minute": 23}
